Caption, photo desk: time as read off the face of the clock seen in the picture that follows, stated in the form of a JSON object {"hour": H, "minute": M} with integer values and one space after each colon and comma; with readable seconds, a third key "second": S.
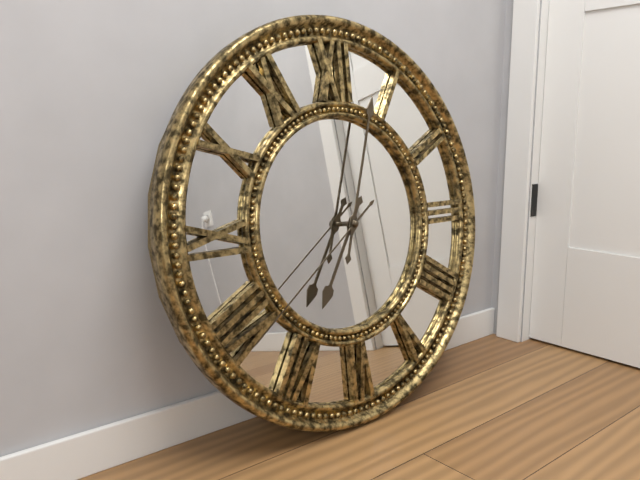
{"hour": 7, "minute": 3, "second": 39}
